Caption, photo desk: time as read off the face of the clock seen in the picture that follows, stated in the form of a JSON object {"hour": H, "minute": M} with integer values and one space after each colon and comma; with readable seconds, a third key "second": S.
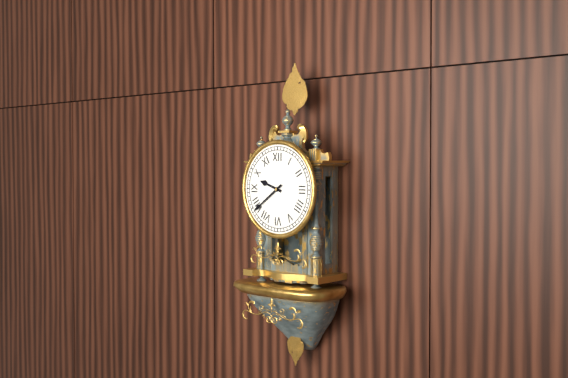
{"hour": 9, "minute": 39}
